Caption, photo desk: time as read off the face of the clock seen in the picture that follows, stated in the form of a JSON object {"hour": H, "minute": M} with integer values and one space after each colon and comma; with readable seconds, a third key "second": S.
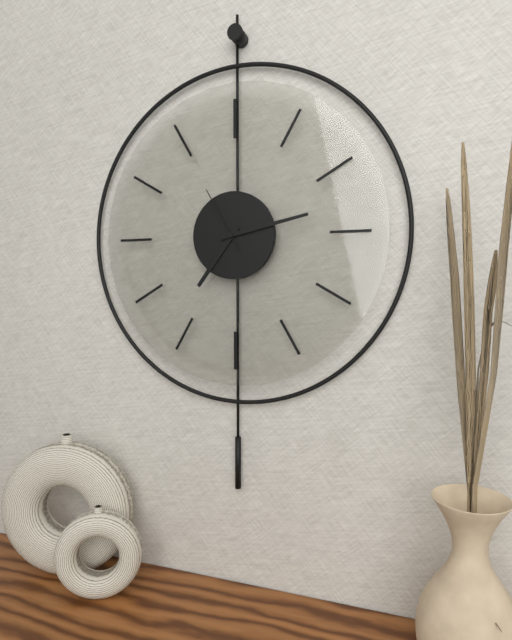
{"hour": 7, "minute": 13, "second": 55}
